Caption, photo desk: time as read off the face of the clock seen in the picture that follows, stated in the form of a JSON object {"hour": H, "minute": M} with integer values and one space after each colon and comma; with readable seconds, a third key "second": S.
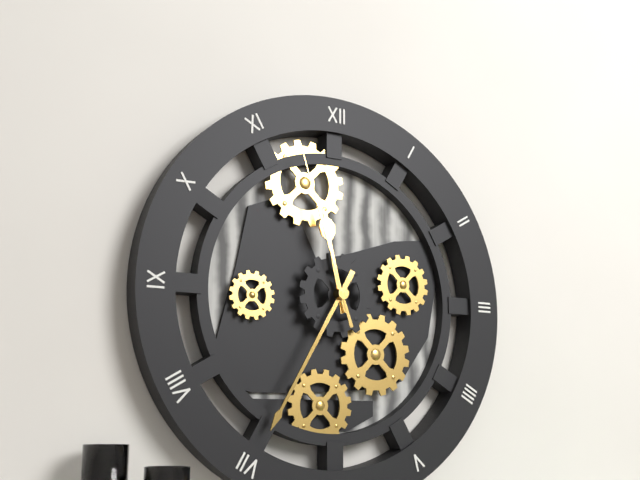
{"hour": 11, "minute": 35, "second": 57}
